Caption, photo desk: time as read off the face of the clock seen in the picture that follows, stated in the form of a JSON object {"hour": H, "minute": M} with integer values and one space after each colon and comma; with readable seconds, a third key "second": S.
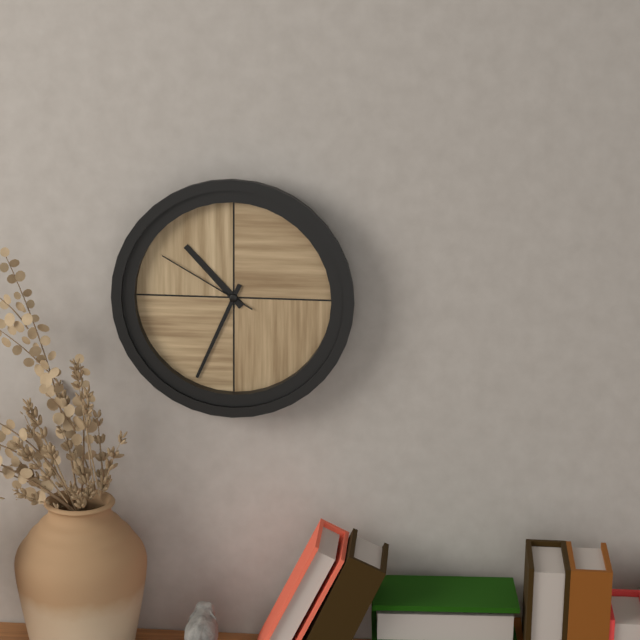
{"hour": 10, "minute": 34, "second": 50}
